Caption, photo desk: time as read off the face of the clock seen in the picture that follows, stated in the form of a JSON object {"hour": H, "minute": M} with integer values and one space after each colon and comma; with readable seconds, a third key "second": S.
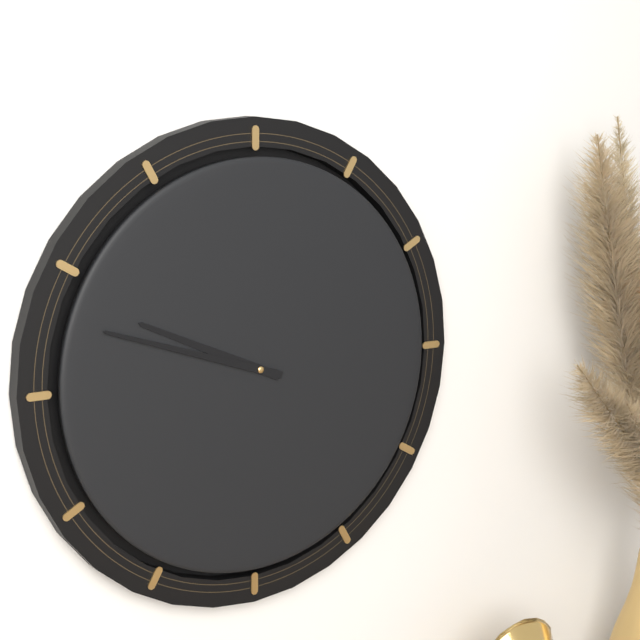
{"hour": 9, "minute": 48}
